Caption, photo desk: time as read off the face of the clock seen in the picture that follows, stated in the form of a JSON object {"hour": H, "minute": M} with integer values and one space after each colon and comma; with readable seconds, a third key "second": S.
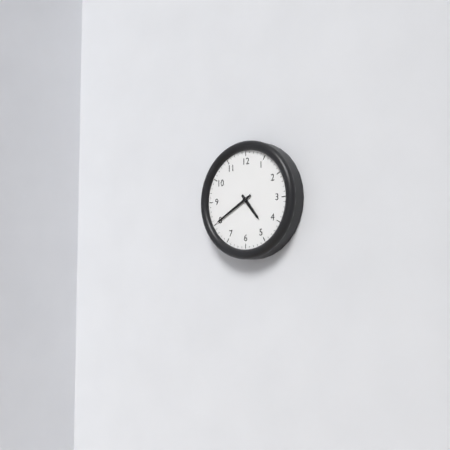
{"hour": 4, "minute": 40}
